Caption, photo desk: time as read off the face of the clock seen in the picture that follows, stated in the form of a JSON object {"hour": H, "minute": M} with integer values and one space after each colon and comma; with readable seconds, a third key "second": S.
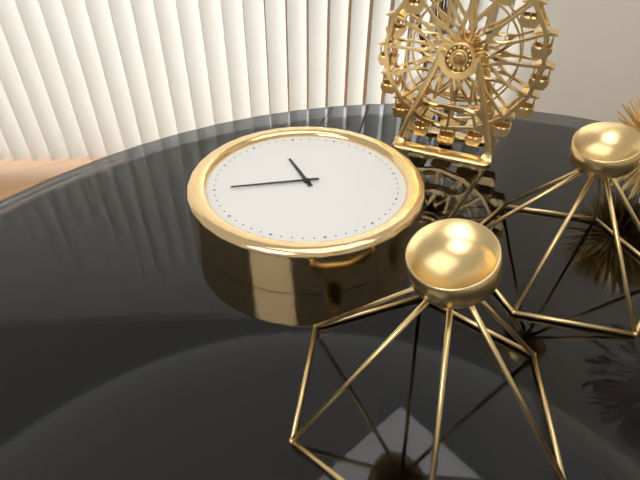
{"hour": 9, "minute": 35}
